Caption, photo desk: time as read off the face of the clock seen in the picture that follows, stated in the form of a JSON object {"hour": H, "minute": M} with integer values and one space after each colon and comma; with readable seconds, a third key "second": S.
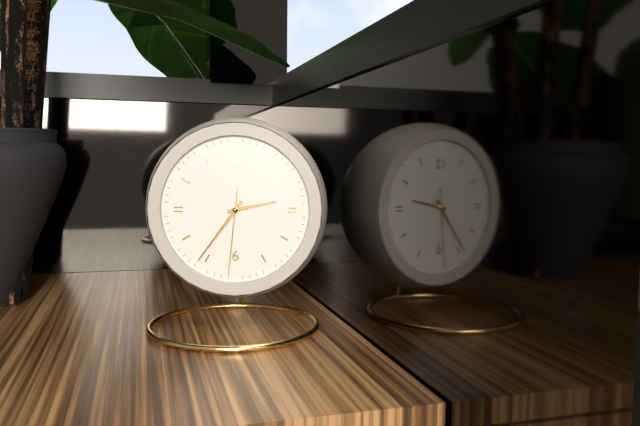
{"hour": 2, "minute": 36, "second": 31}
